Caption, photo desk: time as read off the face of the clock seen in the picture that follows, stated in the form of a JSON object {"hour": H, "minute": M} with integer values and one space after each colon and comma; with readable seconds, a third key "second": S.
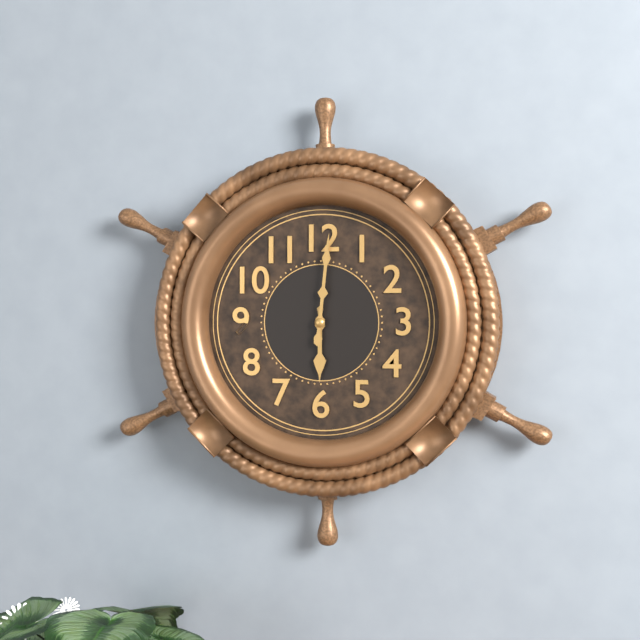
{"hour": 6, "minute": 1}
